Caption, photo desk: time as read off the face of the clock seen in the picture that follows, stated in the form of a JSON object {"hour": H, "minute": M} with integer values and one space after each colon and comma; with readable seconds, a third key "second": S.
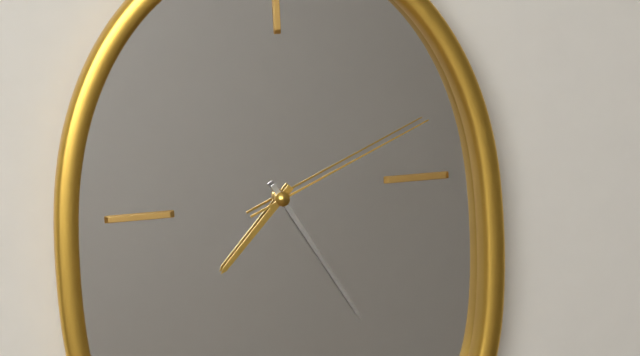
{"hour": 7, "minute": 25, "second": 11}
